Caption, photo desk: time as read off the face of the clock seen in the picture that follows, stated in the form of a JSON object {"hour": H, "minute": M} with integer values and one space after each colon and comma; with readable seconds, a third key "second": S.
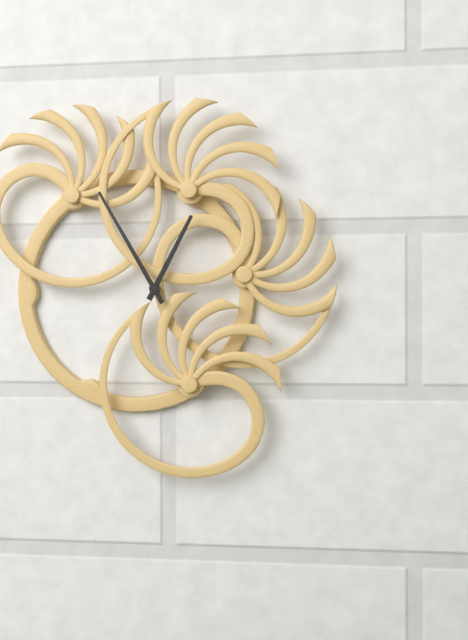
{"hour": 12, "minute": 55}
